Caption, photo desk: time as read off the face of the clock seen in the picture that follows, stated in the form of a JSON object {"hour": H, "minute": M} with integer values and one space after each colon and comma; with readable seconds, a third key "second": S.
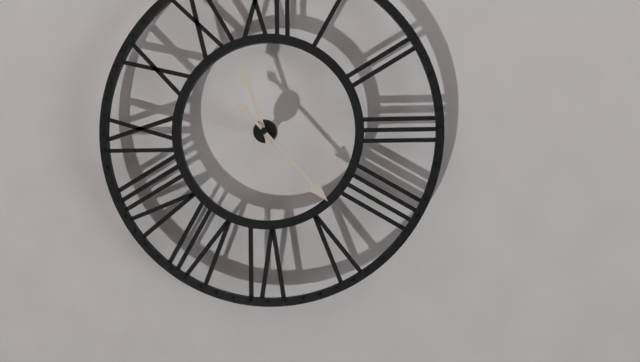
{"hour": 11, "minute": 23}
